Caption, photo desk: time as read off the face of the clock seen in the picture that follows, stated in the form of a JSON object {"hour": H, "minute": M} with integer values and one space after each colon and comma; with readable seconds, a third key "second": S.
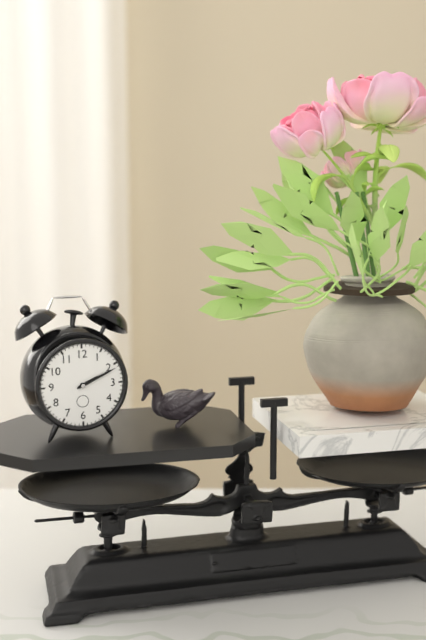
{"hour": 2, "minute": 11}
